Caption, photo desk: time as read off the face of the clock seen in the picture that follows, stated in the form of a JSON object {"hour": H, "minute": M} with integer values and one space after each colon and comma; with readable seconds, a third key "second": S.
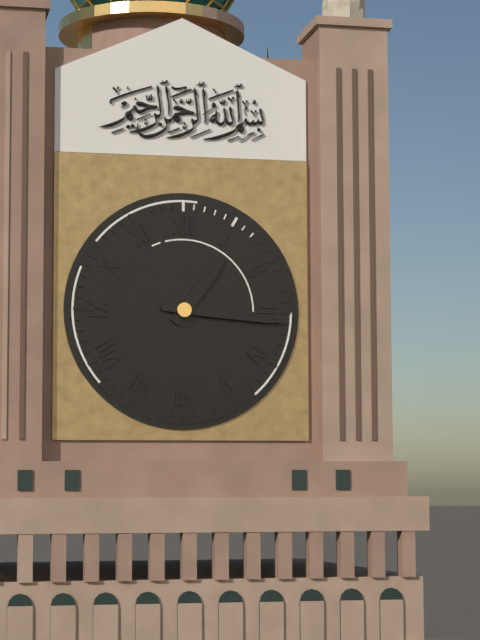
{"hour": 1, "minute": 16}
